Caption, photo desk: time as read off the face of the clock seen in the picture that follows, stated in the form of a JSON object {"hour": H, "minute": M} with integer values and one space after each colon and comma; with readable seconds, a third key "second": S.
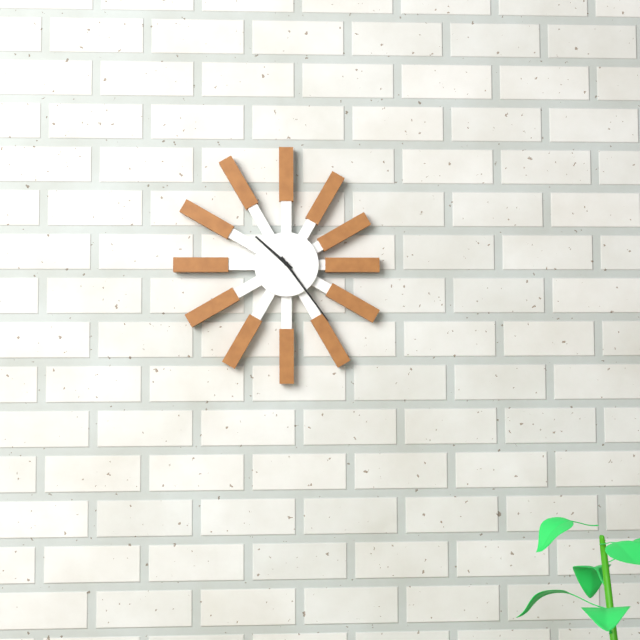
{"hour": 10, "minute": 24}
